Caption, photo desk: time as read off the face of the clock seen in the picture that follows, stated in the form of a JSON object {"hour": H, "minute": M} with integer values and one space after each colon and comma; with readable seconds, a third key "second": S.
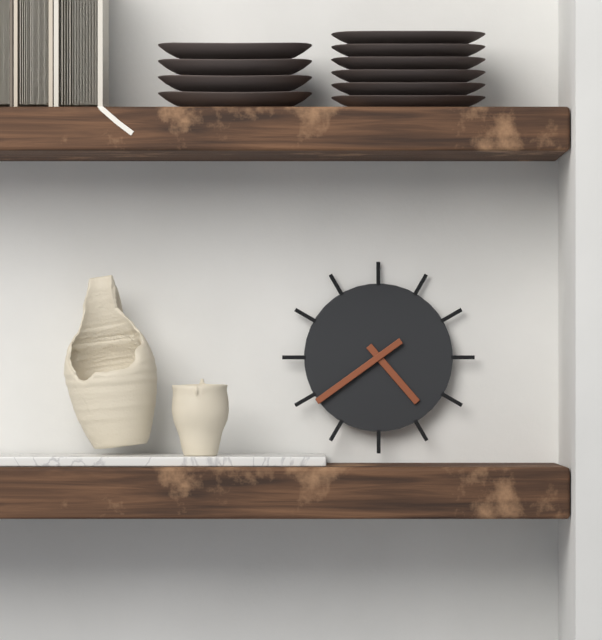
{"hour": 4, "minute": 39}
